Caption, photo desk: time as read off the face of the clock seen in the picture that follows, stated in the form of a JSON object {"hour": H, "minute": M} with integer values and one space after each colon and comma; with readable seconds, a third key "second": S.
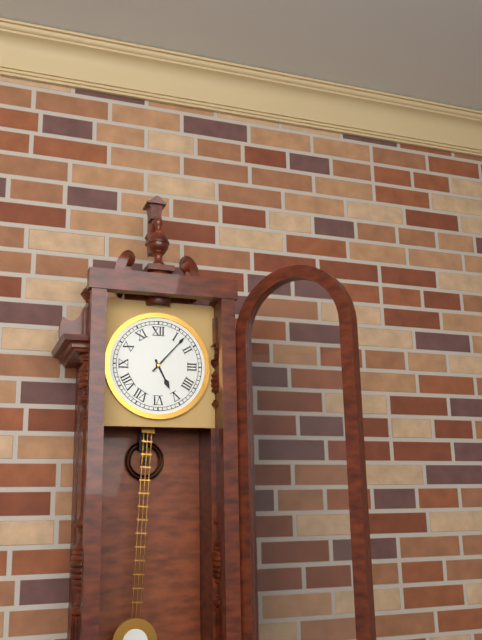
{"hour": 5, "minute": 7}
